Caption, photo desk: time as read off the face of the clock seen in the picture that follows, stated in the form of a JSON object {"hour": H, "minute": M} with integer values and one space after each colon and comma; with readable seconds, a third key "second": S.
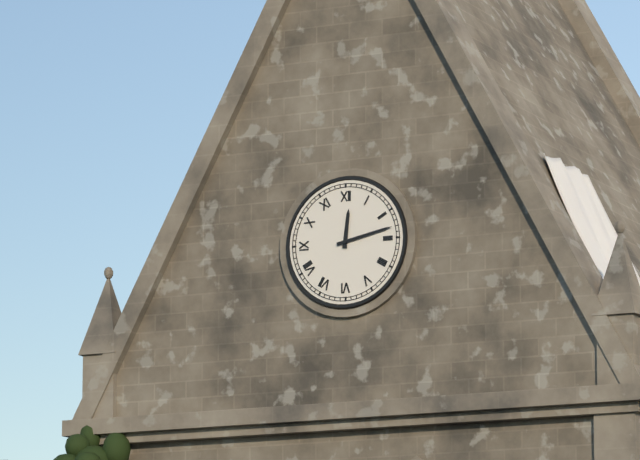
{"hour": 12, "minute": 13}
